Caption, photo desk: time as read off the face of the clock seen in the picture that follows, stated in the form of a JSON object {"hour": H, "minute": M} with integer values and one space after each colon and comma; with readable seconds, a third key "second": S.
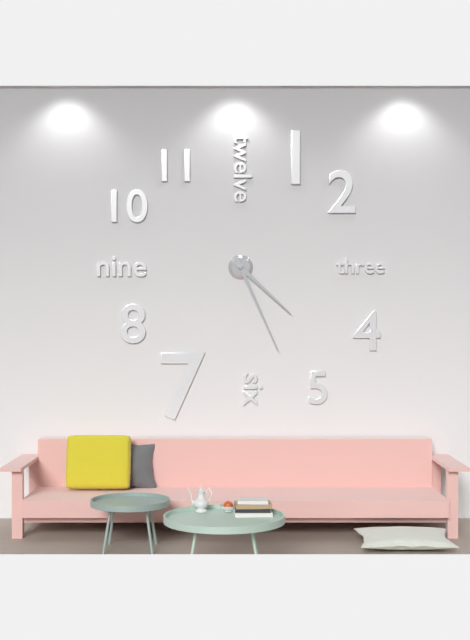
{"hour": 4, "minute": 26}
